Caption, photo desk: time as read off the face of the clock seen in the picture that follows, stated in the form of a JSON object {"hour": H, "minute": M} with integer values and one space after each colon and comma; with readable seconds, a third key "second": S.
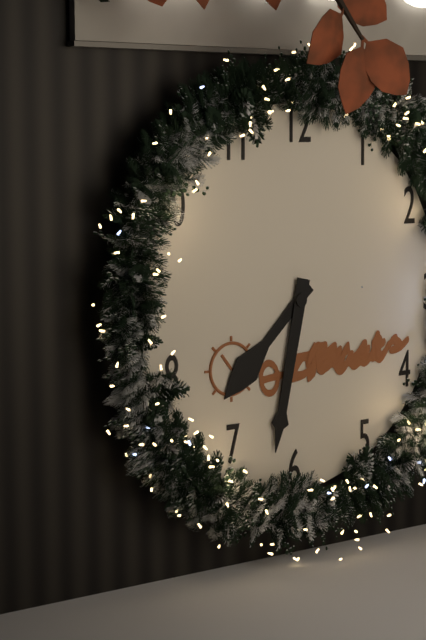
{"hour": 7, "minute": 32}
